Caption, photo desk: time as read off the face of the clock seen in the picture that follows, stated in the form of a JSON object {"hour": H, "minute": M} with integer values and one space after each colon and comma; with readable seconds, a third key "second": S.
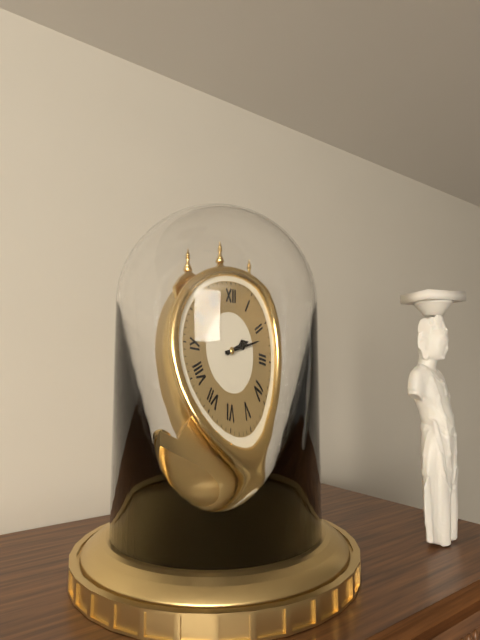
{"hour": 2, "minute": 12}
